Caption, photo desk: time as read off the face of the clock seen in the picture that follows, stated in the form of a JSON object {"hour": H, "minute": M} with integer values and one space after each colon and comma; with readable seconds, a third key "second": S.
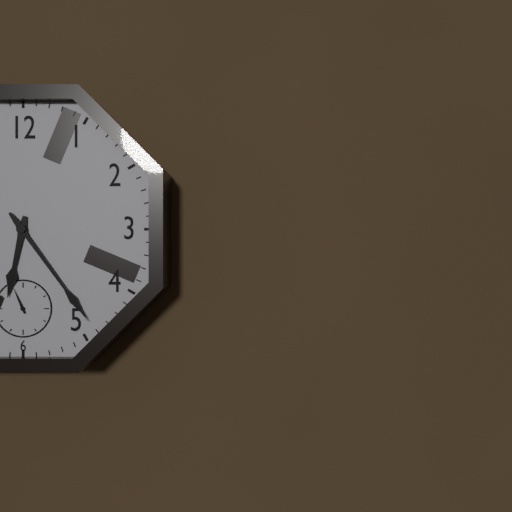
{"hour": 6, "minute": 24}
